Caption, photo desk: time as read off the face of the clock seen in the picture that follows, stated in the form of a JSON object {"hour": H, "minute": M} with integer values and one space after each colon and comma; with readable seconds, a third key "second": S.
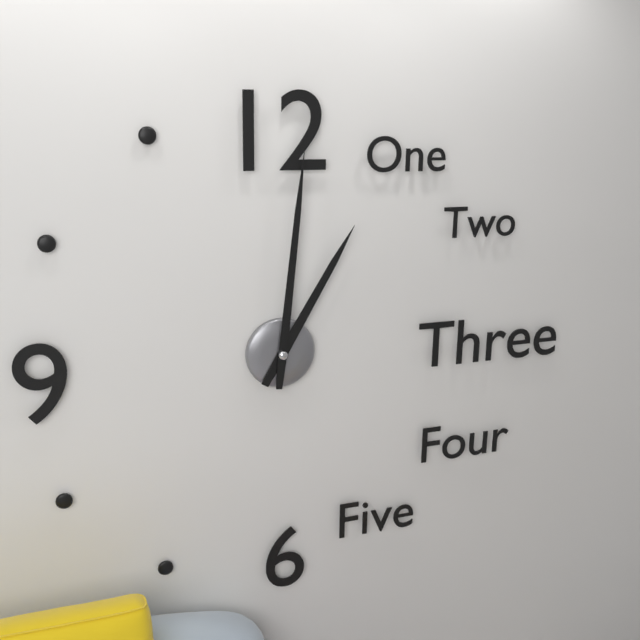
{"hour": 1, "minute": 1}
